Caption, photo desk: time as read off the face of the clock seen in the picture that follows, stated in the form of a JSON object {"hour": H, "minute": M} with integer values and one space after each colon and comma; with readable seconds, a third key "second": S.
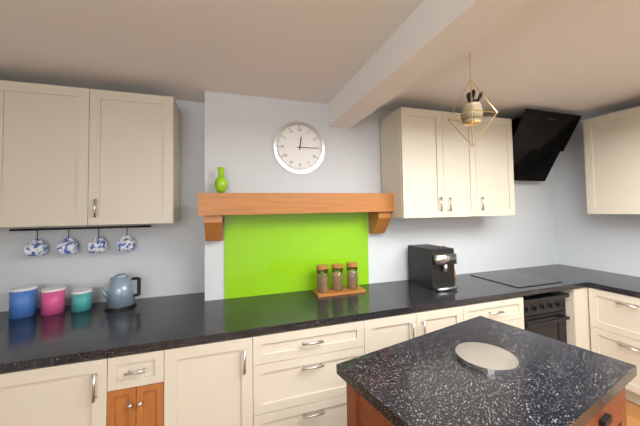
{"hour": 12, "minute": 15}
